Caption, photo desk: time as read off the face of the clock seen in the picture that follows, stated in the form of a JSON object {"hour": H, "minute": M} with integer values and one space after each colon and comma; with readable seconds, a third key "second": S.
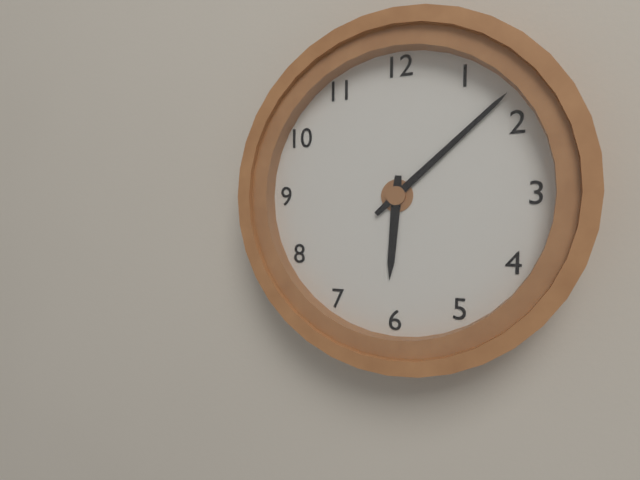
{"hour": 6, "minute": 8}
